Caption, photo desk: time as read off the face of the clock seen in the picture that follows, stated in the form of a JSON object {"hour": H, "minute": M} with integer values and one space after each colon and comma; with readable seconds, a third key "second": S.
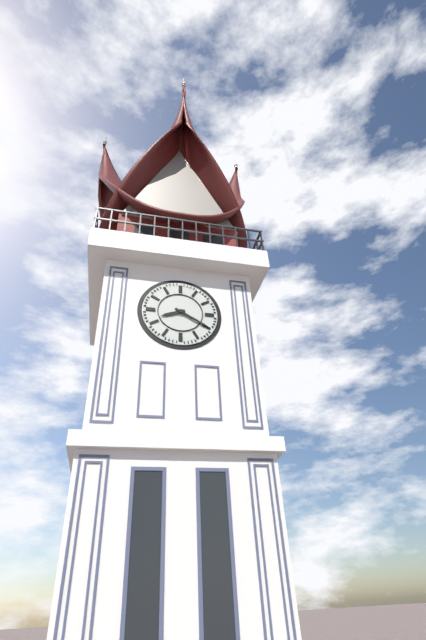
{"hour": 8, "minute": 20}
